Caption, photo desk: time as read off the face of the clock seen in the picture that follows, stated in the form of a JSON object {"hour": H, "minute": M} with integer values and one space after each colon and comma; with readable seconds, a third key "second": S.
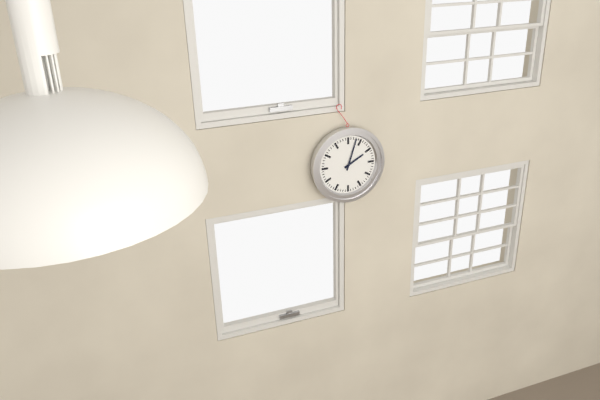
{"hour": 2, "minute": 3}
